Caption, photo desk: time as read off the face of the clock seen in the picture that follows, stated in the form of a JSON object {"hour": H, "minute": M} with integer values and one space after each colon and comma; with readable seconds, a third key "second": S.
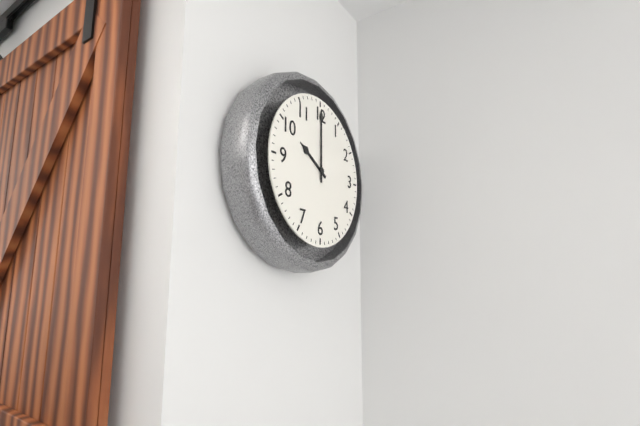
{"hour": 10, "minute": 0}
